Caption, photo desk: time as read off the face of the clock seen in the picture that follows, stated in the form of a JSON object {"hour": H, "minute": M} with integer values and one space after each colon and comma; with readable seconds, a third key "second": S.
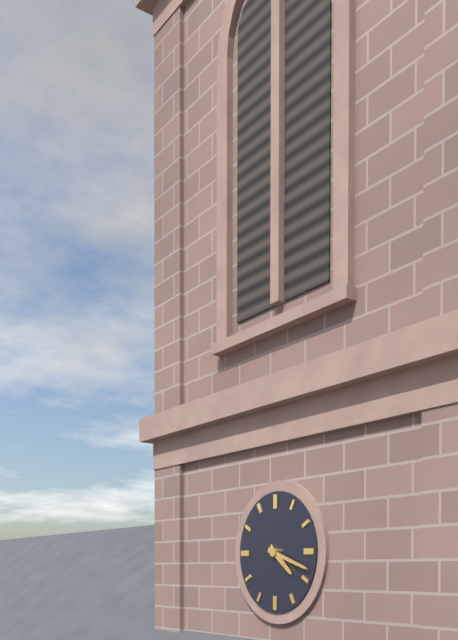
{"hour": 4, "minute": 18}
